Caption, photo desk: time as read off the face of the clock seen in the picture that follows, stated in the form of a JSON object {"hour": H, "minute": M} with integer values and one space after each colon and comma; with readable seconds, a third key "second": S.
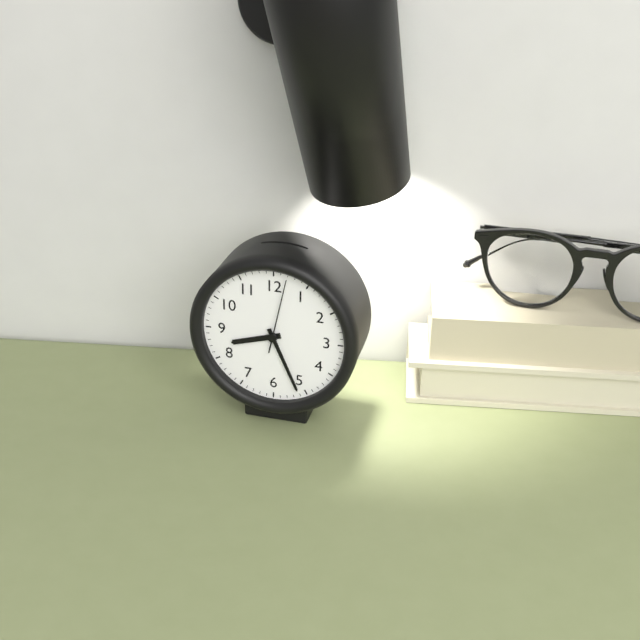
{"hour": 8, "minute": 26, "second": 2}
